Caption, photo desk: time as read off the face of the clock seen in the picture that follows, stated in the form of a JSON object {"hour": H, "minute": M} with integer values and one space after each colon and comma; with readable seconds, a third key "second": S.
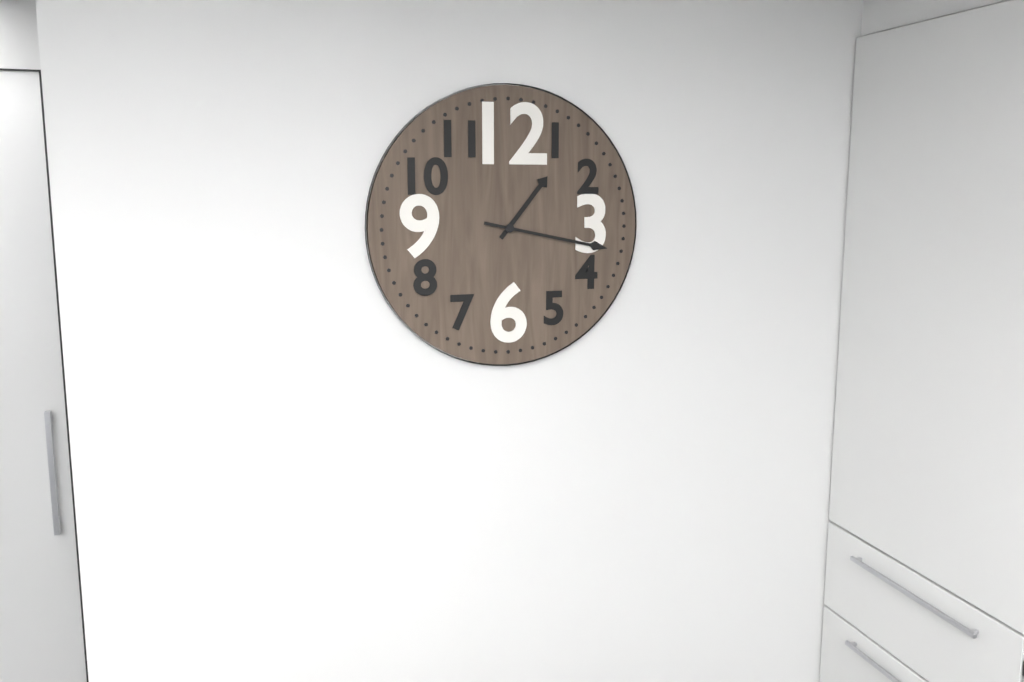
{"hour": 1, "minute": 17}
